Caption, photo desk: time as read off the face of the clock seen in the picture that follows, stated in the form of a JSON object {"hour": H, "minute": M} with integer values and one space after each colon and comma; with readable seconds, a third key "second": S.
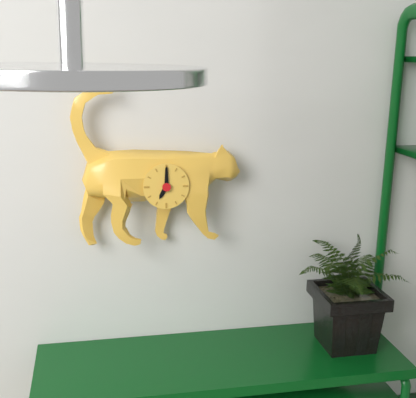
{"hour": 7, "minute": 0}
